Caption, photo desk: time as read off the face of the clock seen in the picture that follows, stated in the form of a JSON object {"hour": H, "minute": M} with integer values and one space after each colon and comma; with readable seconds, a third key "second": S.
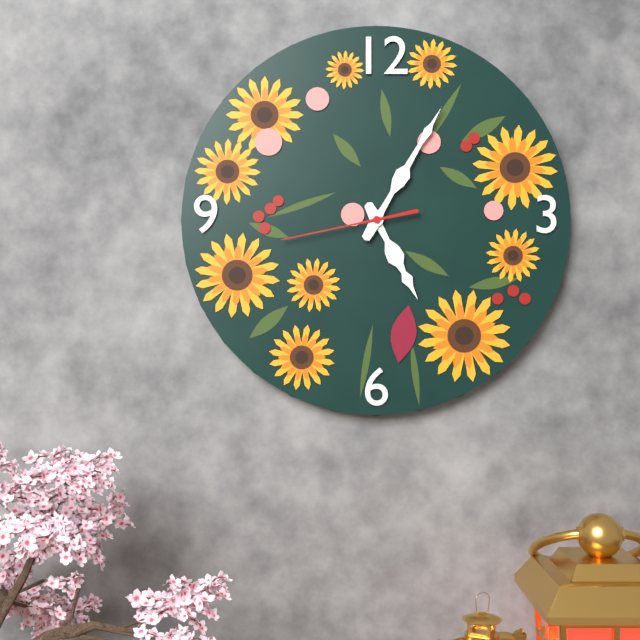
{"hour": 5, "minute": 5, "second": 43}
